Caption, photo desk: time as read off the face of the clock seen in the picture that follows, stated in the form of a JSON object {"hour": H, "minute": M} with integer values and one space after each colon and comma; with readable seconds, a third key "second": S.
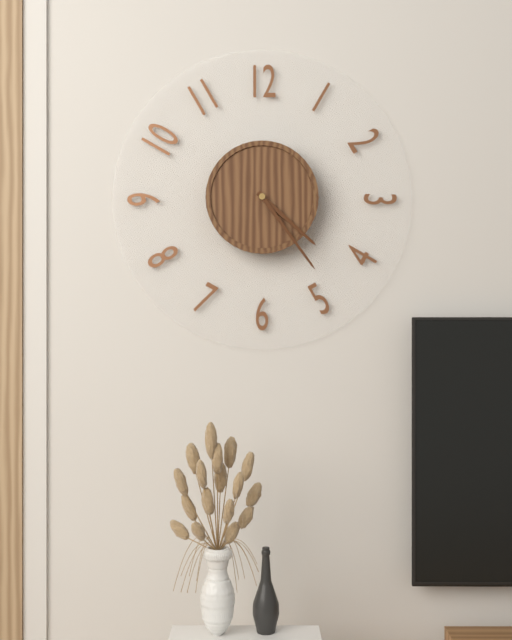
{"hour": 4, "minute": 24}
